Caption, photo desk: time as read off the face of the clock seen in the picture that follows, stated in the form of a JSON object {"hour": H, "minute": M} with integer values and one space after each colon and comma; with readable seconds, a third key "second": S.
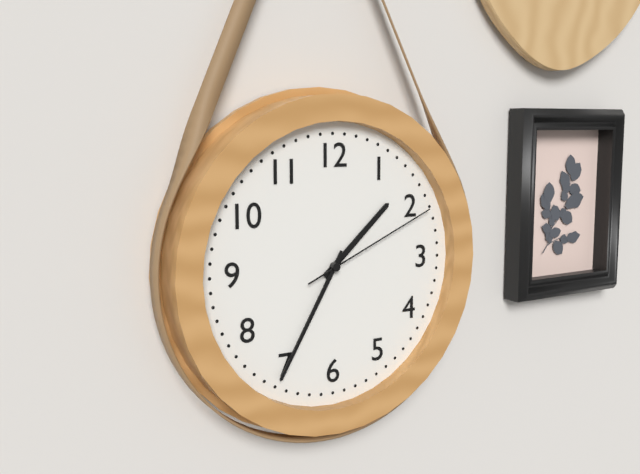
{"hour": 1, "minute": 35, "second": 11}
